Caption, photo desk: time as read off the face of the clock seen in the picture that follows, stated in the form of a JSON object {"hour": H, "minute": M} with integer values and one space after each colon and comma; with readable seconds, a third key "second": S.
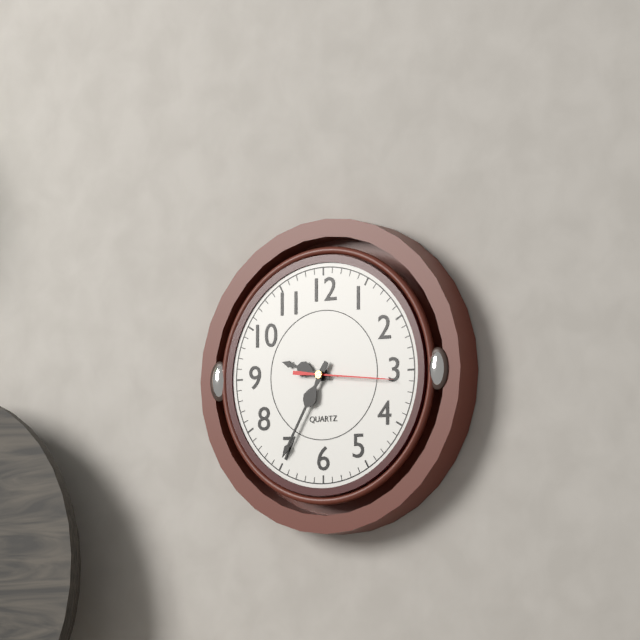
{"hour": 9, "minute": 35, "second": 16}
